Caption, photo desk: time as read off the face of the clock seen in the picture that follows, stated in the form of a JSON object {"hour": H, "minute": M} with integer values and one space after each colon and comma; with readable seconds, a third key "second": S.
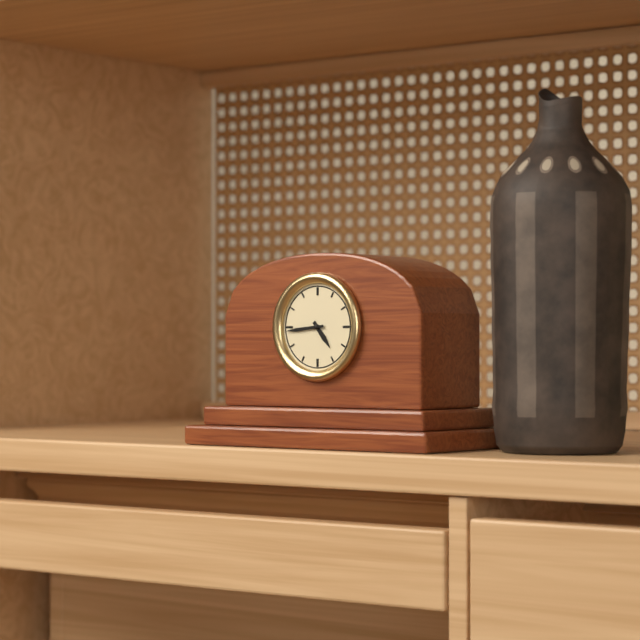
{"hour": 4, "minute": 44}
